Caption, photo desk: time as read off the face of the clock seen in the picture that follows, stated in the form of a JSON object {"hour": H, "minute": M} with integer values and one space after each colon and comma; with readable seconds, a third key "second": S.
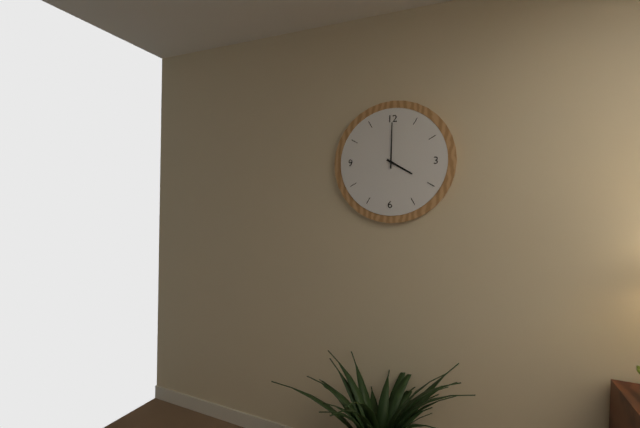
{"hour": 4, "minute": 0}
